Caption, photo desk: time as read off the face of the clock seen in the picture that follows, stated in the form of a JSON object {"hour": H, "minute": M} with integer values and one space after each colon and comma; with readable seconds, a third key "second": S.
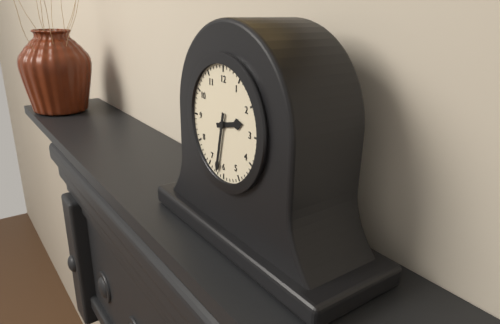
{"hour": 2, "minute": 32}
